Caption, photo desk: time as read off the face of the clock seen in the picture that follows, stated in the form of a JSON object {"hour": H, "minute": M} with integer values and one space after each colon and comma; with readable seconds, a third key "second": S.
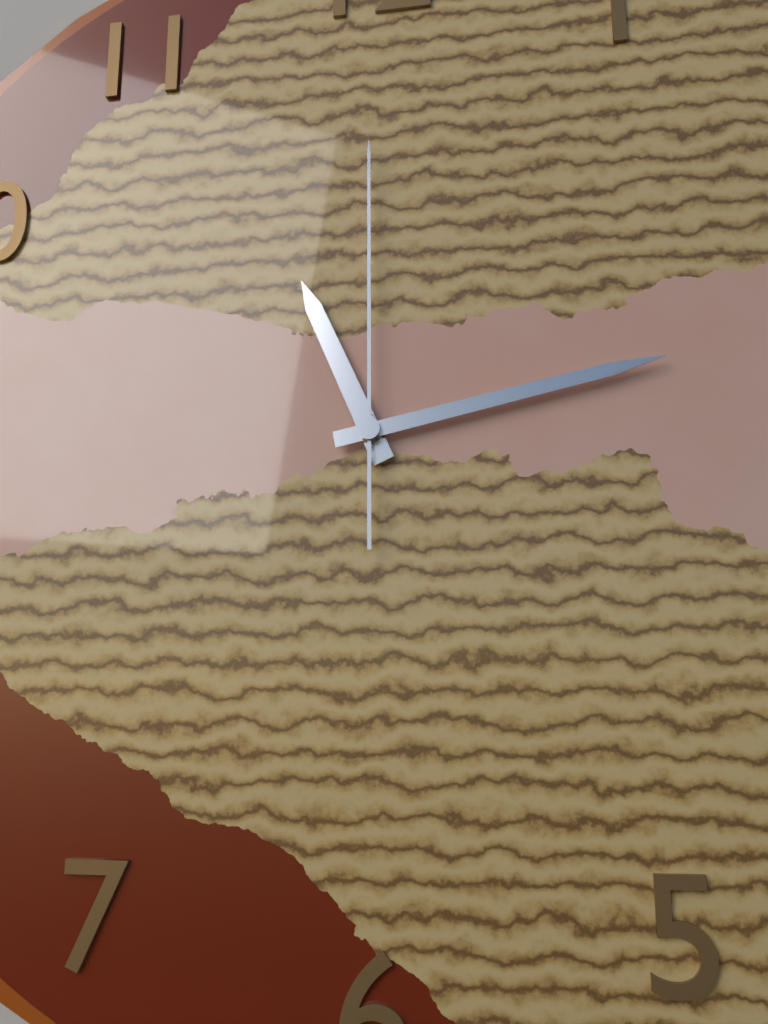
{"hour": 11, "minute": 13, "second": 0}
